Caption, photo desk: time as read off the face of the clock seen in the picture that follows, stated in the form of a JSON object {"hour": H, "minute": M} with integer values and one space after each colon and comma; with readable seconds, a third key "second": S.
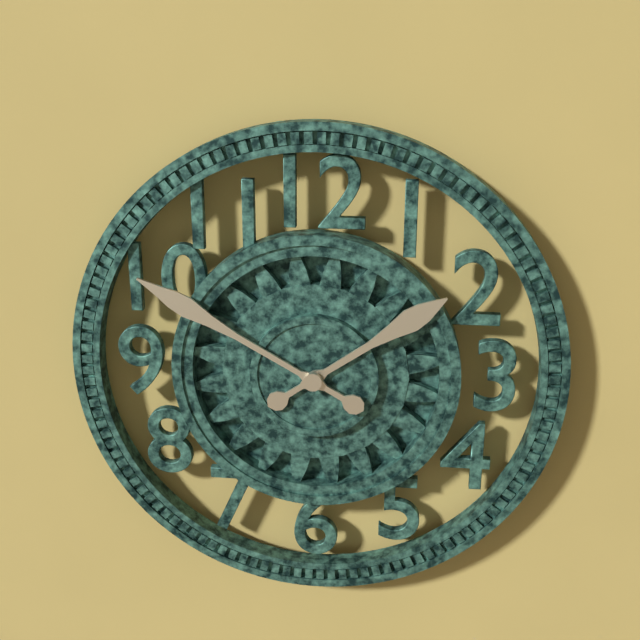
{"hour": 1, "minute": 50}
